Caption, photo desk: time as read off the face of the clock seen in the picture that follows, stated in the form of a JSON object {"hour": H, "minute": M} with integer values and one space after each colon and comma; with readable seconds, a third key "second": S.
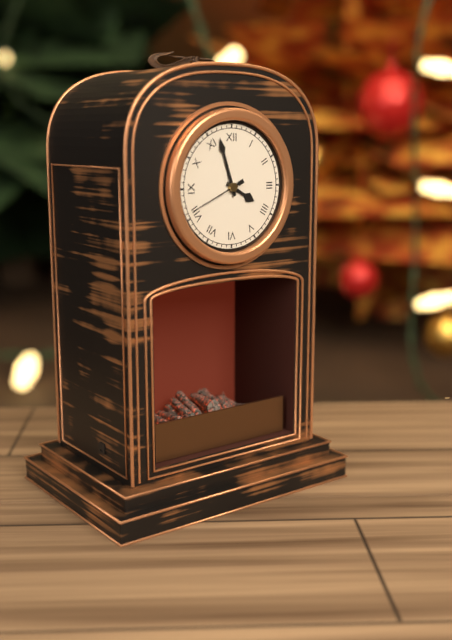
{"hour": 3, "minute": 57, "second": 41}
